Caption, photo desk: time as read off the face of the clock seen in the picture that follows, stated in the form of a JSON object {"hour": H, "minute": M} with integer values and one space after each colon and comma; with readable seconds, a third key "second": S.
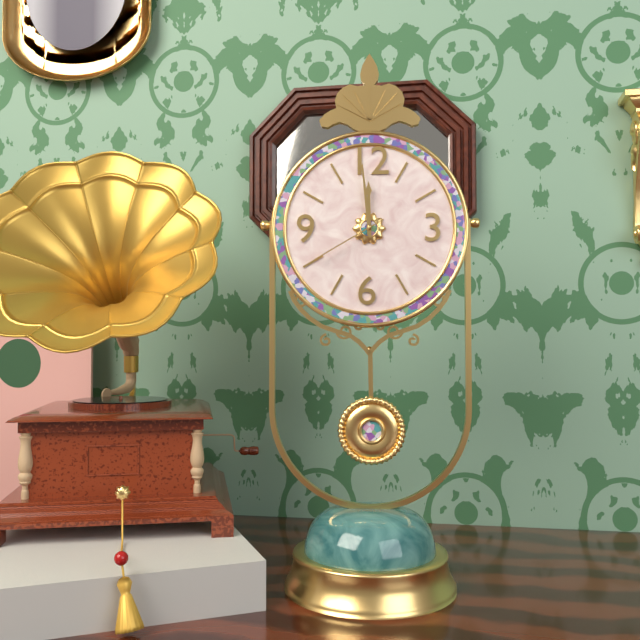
{"hour": 11, "minute": 59, "second": 40}
